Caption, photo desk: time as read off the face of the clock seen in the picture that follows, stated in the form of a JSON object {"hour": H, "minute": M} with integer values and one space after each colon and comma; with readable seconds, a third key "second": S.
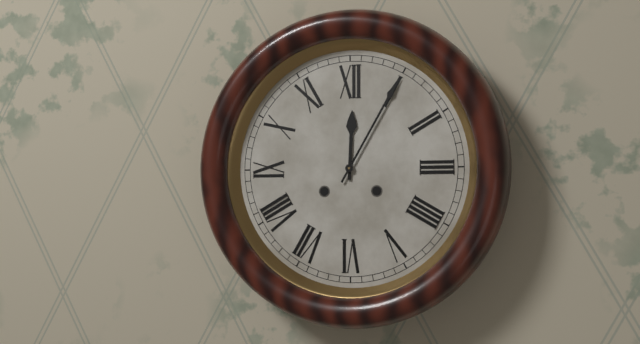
{"hour": 12, "minute": 5}
